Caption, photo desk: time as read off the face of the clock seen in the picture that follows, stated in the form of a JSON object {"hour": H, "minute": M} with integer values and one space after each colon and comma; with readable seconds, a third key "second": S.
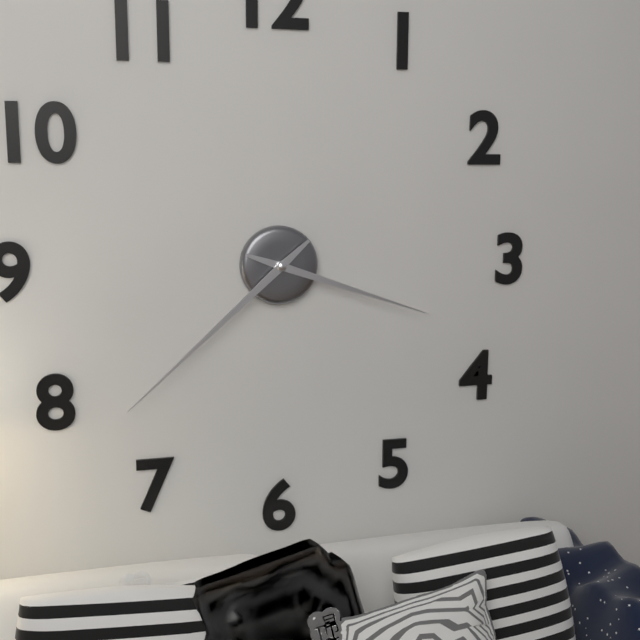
{"hour": 3, "minute": 38}
